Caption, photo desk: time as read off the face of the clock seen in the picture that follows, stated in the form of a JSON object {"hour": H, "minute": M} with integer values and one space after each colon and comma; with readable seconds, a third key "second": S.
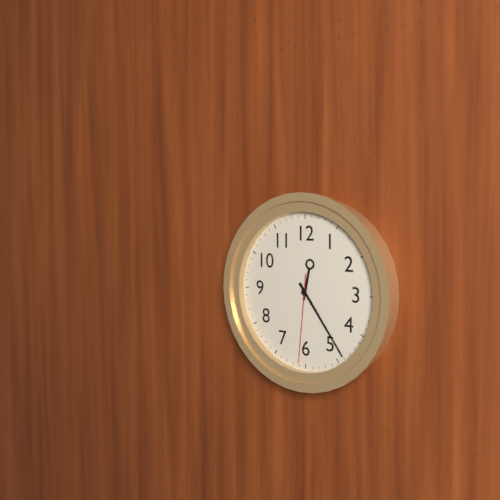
{"hour": 12, "minute": 24, "second": 31}
